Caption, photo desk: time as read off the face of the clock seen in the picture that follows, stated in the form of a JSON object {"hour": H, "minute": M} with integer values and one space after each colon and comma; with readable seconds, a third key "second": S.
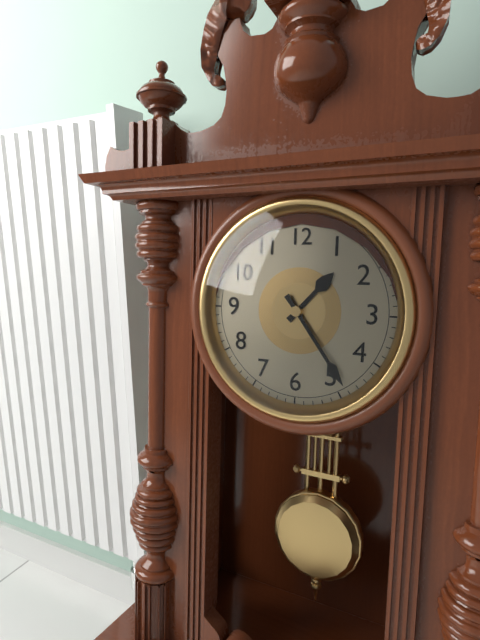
{"hour": 1, "minute": 24}
